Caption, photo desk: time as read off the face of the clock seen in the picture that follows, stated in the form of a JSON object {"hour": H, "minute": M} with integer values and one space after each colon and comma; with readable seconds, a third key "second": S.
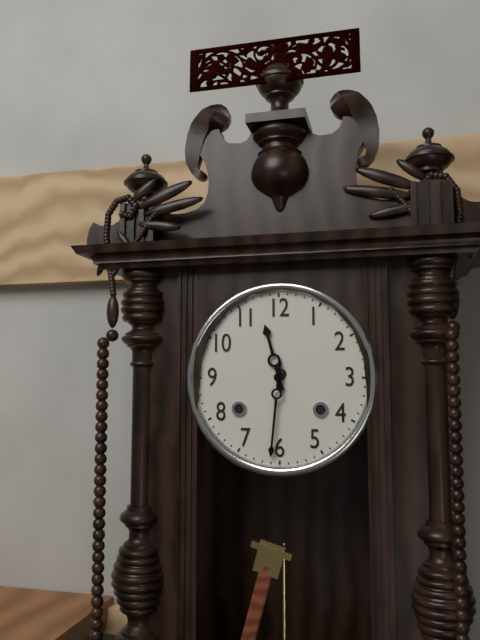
{"hour": 11, "minute": 31}
